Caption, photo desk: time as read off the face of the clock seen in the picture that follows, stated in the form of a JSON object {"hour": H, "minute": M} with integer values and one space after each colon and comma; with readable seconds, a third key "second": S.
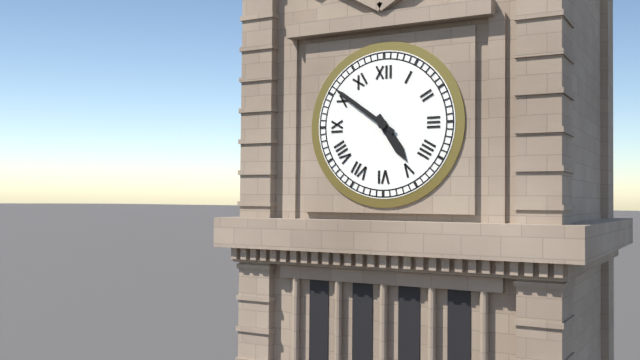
{"hour": 4, "minute": 51}
